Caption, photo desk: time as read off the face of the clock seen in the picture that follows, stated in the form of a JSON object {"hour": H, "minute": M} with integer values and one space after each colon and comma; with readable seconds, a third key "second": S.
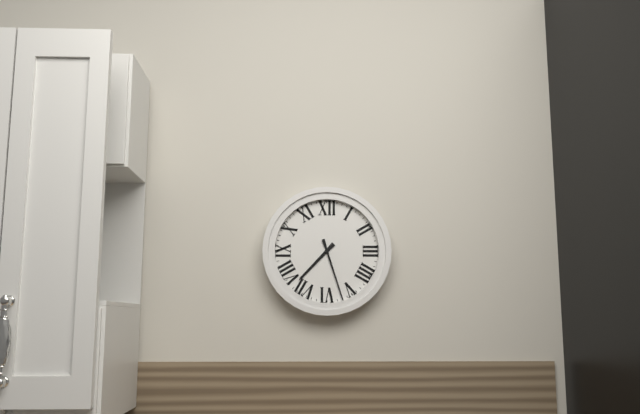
{"hour": 7, "minute": 27}
